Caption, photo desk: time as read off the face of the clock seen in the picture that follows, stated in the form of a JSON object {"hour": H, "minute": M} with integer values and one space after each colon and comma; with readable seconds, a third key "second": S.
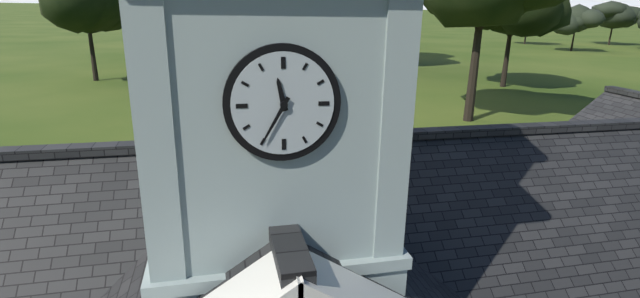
{"hour": 11, "minute": 35}
